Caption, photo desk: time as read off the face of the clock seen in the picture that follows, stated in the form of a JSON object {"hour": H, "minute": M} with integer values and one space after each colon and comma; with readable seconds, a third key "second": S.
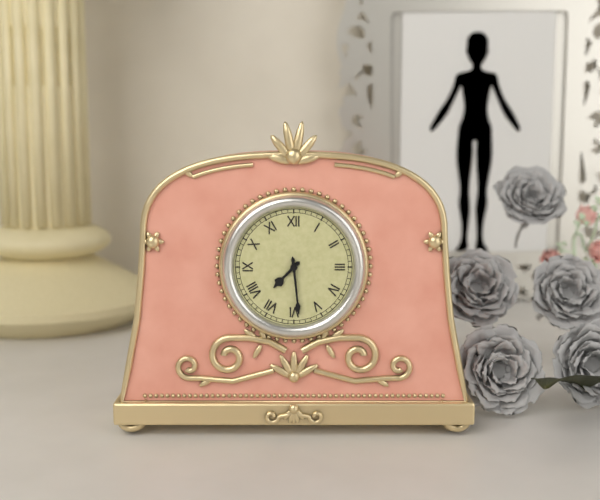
{"hour": 7, "minute": 29}
